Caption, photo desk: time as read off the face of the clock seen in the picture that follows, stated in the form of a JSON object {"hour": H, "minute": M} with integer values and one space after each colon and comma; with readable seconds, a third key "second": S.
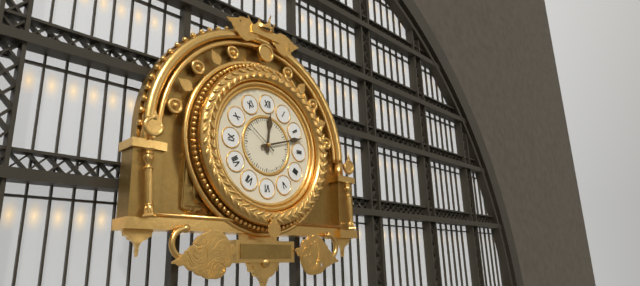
{"hour": 12, "minute": 12}
